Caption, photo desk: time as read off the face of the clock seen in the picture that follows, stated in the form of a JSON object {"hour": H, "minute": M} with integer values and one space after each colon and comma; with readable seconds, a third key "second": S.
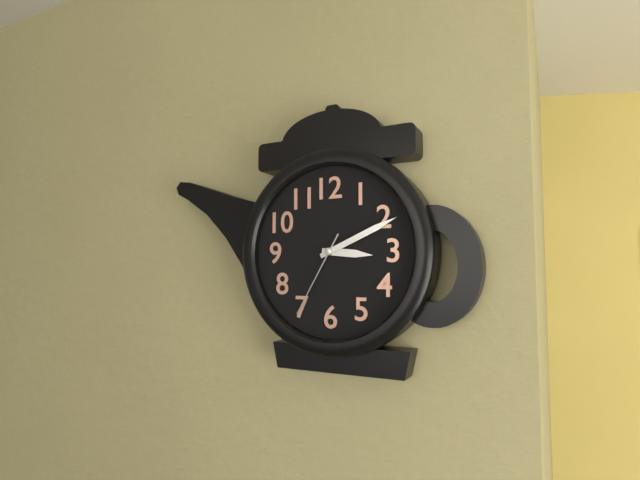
{"hour": 3, "minute": 11, "second": 35}
